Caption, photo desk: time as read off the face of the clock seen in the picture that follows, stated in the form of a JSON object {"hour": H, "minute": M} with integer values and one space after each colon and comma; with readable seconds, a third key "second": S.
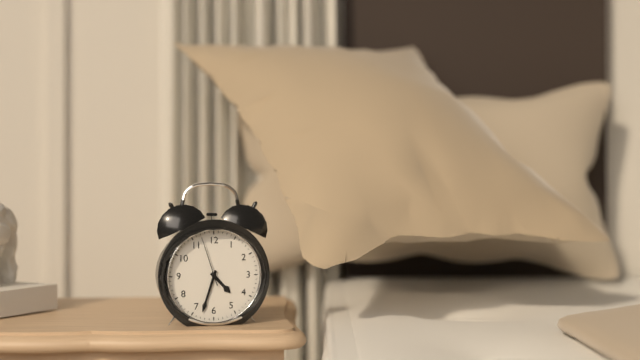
{"hour": 4, "minute": 33, "second": 57}
